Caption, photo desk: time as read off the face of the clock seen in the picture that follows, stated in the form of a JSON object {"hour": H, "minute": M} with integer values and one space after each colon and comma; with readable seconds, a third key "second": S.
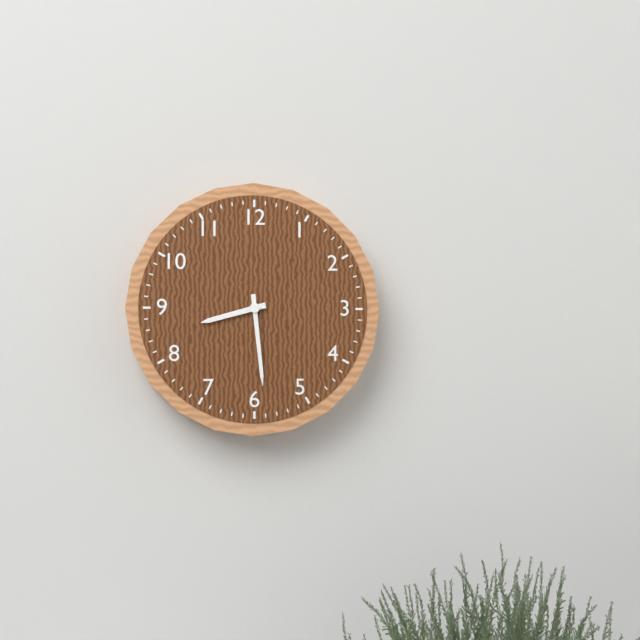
{"hour": 8, "minute": 29}
